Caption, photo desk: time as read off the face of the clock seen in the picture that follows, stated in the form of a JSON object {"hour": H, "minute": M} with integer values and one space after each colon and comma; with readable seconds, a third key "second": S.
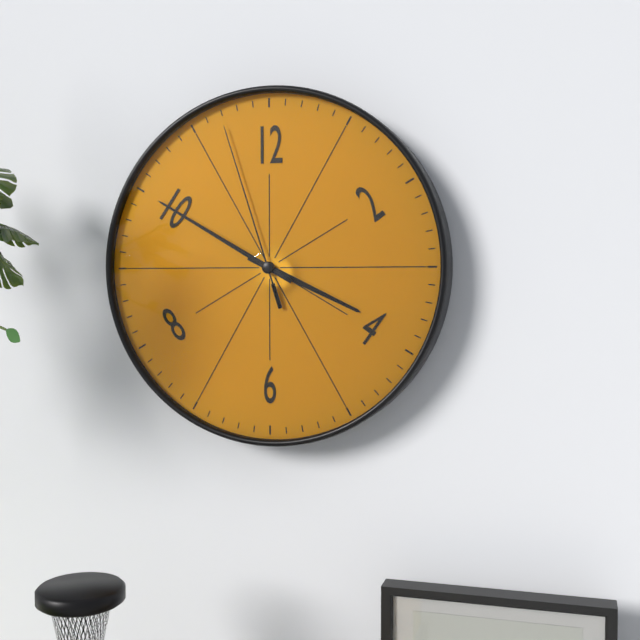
{"hour": 3, "minute": 50, "second": 57}
